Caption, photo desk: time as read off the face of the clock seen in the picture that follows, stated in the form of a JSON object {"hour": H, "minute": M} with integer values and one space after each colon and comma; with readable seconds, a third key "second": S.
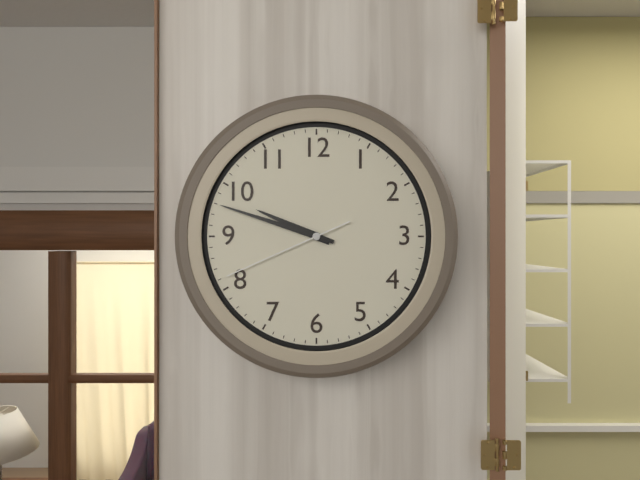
{"hour": 9, "minute": 48, "second": 41}
